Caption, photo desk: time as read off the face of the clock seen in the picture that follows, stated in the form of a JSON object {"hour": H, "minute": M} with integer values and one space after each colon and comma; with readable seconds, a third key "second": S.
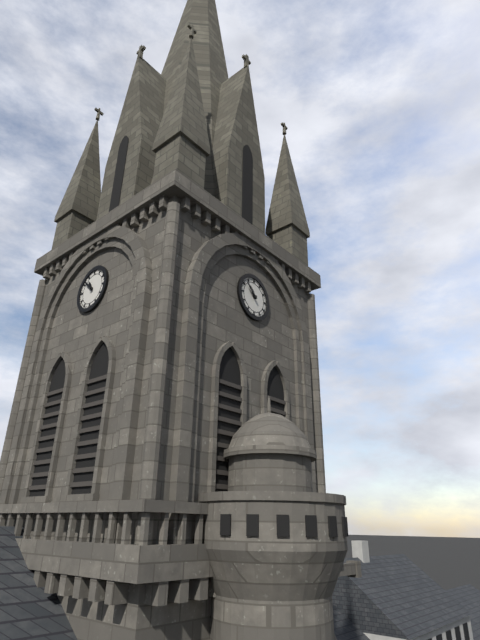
{"hour": 10, "minute": 52}
